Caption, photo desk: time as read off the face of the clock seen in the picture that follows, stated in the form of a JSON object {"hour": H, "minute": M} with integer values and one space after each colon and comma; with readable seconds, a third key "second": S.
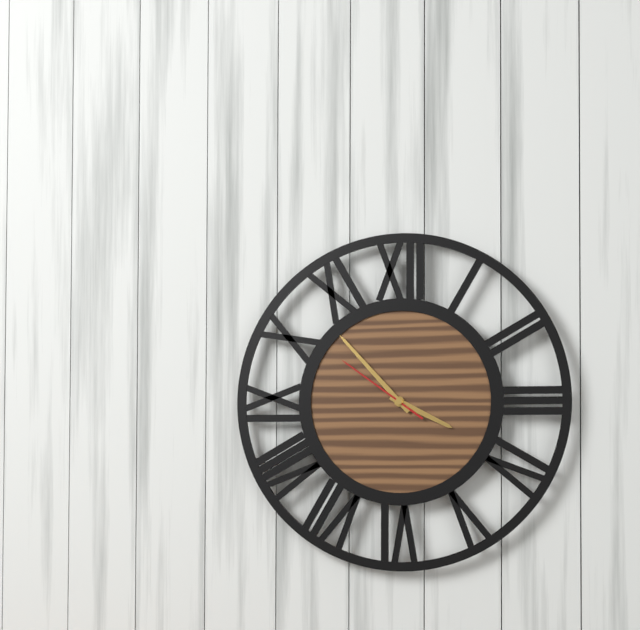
{"hour": 3, "minute": 53, "second": 51}
